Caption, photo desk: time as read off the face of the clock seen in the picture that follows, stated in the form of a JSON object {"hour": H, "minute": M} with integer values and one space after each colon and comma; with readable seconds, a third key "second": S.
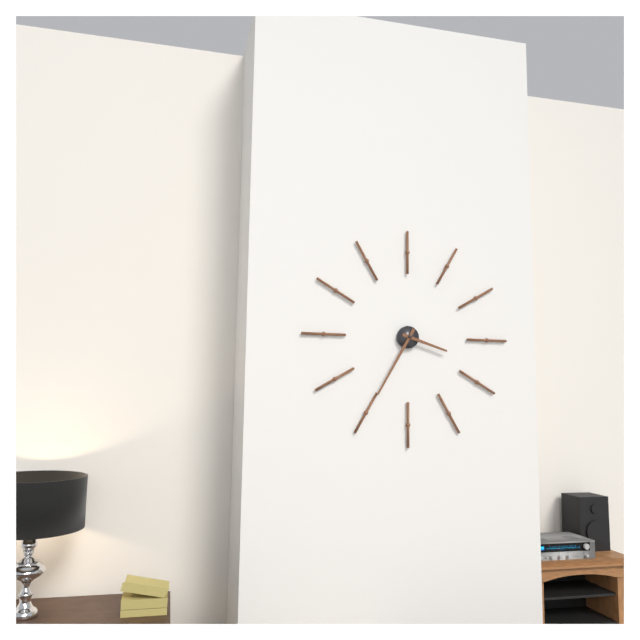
{"hour": 3, "minute": 35}
